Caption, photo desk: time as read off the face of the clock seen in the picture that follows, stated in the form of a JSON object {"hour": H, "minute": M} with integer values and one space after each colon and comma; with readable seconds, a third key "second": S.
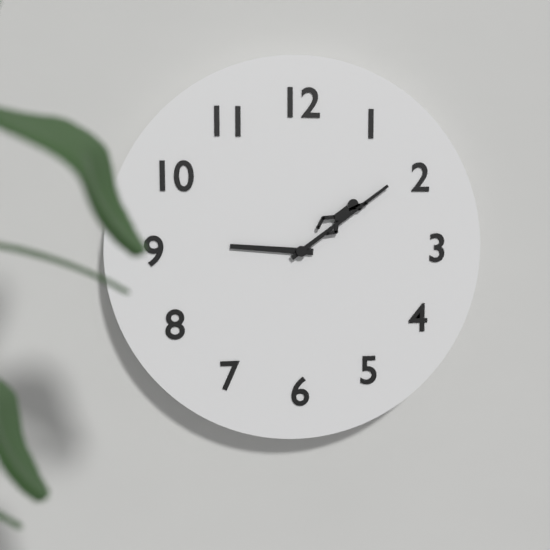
{"hour": 9, "minute": 9}
